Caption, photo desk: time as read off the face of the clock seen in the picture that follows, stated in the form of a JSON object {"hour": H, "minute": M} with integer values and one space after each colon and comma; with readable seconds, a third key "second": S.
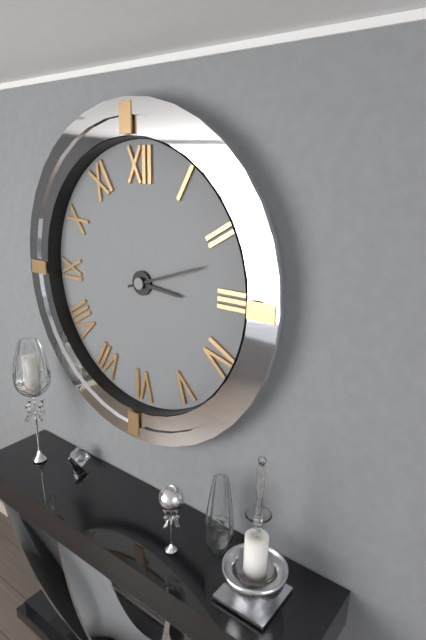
{"hour": 3, "minute": 12}
